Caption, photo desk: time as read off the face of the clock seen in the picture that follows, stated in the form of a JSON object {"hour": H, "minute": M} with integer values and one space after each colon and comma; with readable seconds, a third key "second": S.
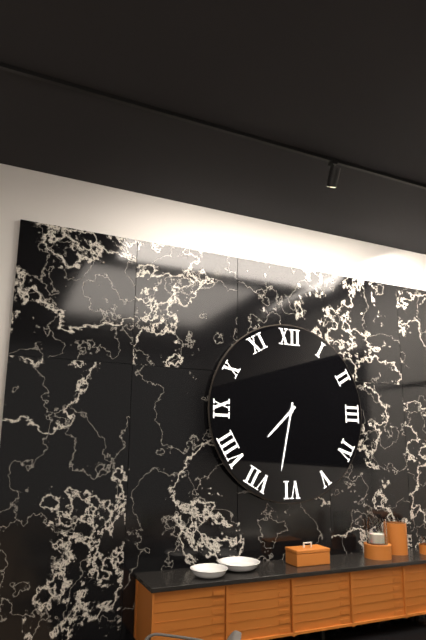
{"hour": 7, "minute": 32}
